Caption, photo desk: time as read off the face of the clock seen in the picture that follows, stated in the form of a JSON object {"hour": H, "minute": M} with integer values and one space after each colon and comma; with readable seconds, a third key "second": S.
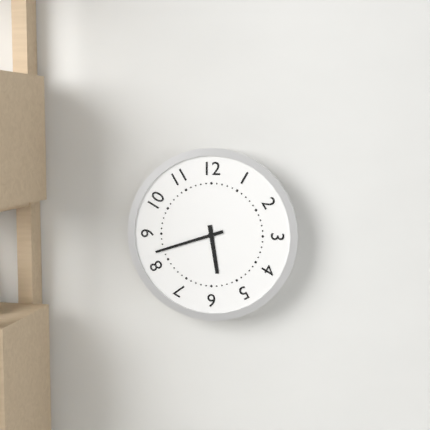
{"hour": 5, "minute": 42}
